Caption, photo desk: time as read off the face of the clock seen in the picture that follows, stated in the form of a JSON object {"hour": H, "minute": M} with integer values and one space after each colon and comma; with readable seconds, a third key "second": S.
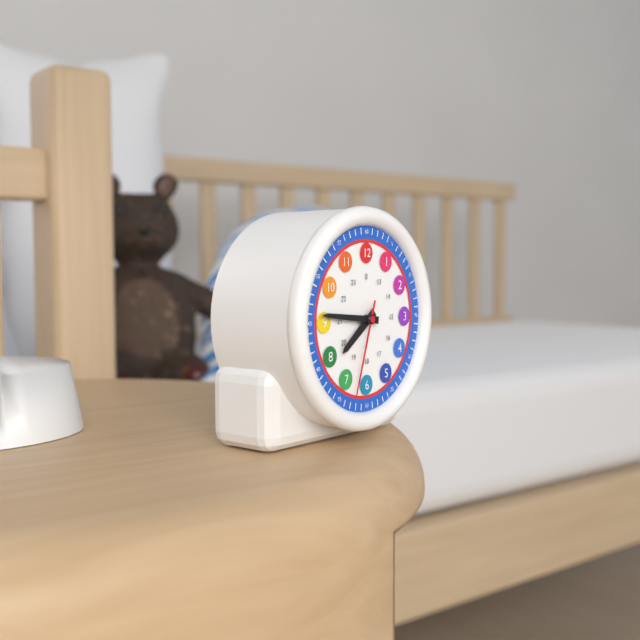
{"hour": 7, "minute": 46, "second": 33}
